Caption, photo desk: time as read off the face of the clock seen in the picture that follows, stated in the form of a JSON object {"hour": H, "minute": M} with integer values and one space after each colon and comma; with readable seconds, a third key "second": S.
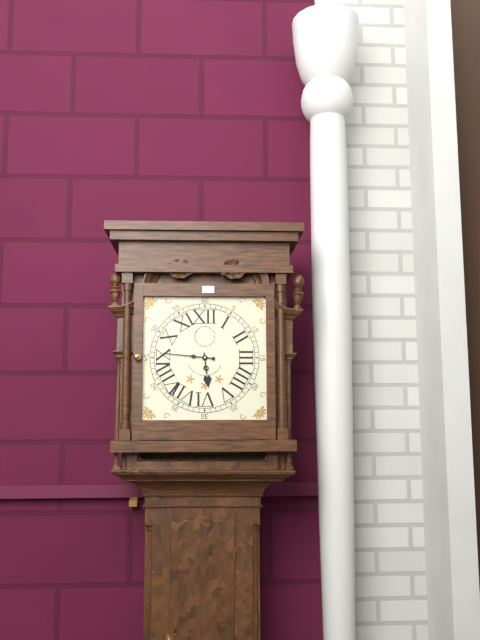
{"hour": 5, "minute": 46}
